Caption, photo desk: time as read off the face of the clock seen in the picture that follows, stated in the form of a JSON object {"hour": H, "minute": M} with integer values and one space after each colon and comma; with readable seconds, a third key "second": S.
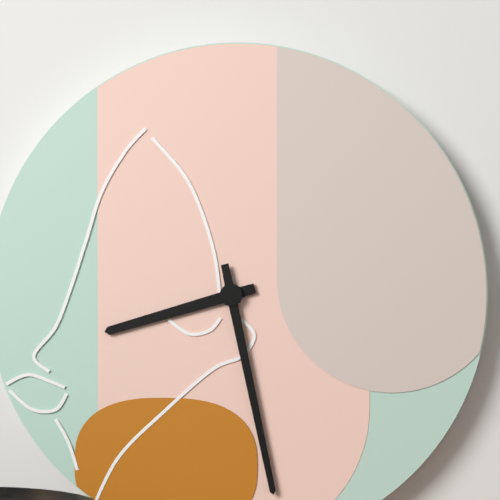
{"hour": 8, "minute": 28}
